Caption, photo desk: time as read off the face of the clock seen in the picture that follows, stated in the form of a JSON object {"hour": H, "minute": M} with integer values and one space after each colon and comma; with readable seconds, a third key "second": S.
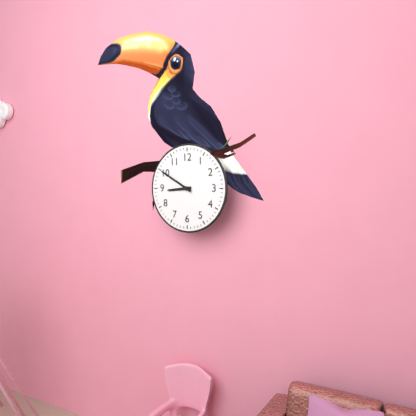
{"hour": 8, "minute": 50}
